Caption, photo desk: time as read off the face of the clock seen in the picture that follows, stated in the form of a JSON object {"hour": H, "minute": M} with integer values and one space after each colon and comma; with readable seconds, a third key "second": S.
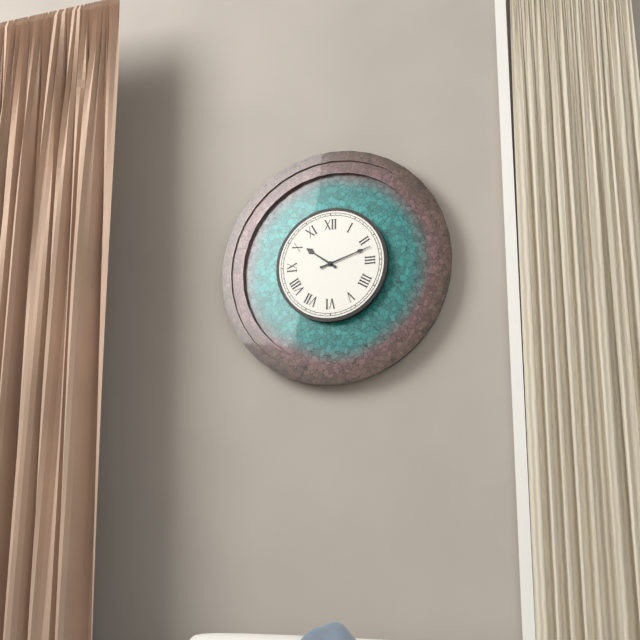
{"hour": 10, "minute": 12}
